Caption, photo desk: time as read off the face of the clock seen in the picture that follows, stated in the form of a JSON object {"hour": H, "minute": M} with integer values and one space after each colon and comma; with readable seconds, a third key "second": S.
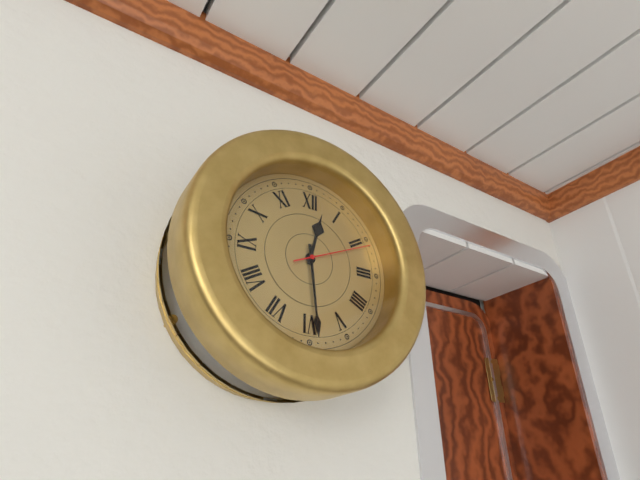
{"hour": 12, "minute": 29, "second": 11}
